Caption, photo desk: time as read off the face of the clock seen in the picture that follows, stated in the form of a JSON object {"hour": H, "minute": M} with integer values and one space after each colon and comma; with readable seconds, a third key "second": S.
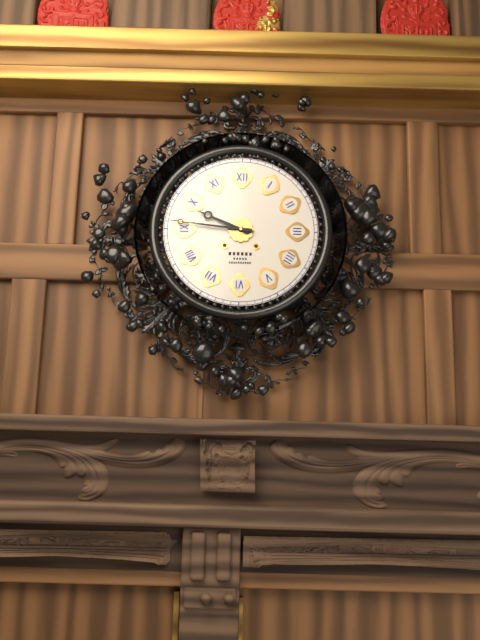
{"hour": 9, "minute": 46}
